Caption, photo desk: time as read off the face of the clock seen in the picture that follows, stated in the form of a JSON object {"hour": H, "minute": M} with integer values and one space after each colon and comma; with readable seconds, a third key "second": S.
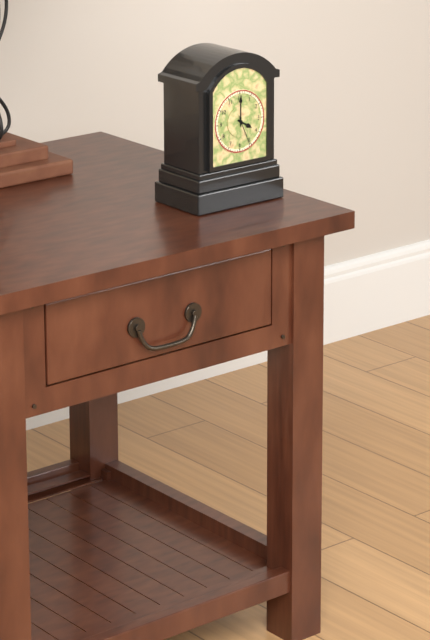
{"hour": 4, "minute": 0}
